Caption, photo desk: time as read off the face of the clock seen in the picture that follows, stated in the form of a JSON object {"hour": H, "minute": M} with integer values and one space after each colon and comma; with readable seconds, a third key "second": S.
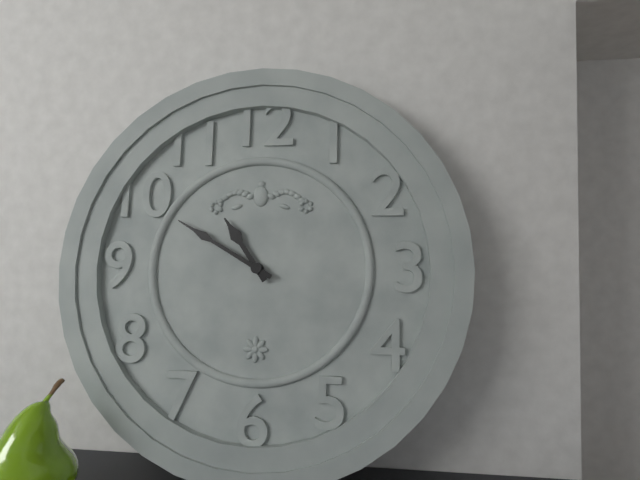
{"hour": 10, "minute": 50}
